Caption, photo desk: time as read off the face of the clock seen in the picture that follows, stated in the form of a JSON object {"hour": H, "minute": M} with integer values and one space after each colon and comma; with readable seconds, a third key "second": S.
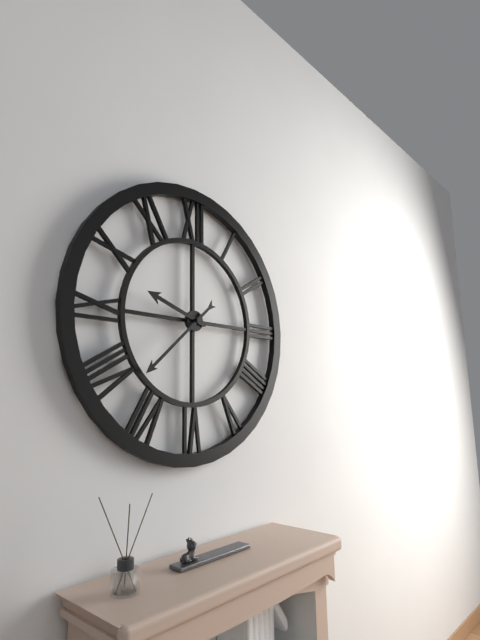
{"hour": 9, "minute": 38}
